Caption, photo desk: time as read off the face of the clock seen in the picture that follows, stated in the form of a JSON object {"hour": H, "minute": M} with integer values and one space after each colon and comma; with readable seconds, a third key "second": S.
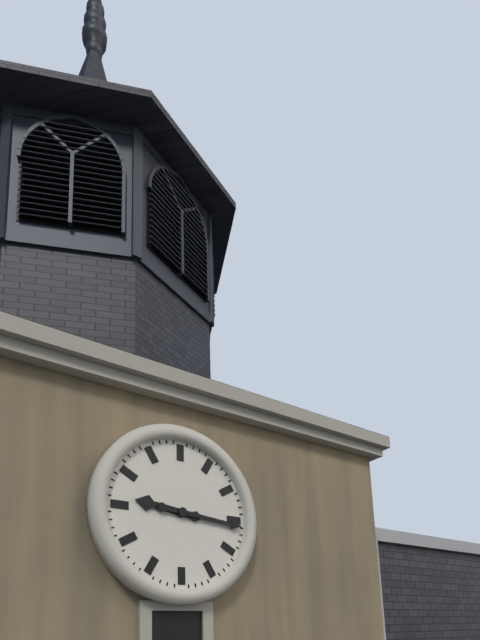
{"hour": 9, "minute": 16}
